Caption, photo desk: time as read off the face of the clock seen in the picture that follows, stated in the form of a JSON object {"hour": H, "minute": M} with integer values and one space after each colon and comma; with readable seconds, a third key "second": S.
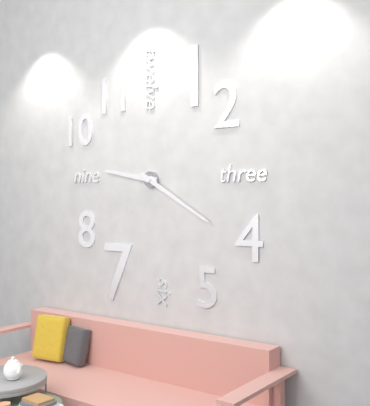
{"hour": 9, "minute": 20}
